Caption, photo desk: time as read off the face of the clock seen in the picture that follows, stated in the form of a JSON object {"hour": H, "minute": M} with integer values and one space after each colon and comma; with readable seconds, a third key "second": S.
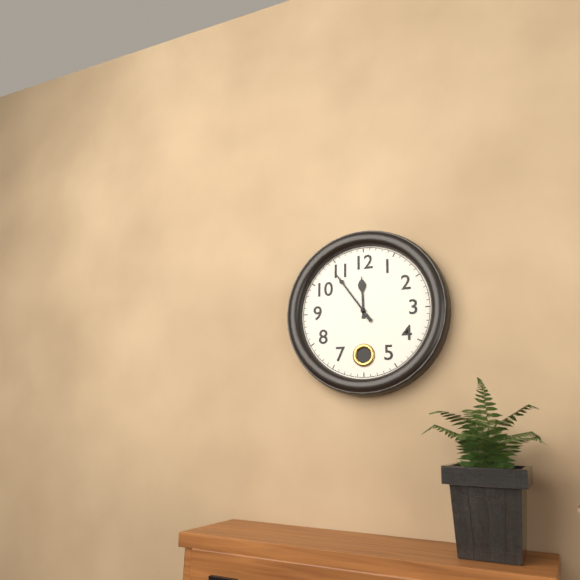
{"hour": 11, "minute": 54}
